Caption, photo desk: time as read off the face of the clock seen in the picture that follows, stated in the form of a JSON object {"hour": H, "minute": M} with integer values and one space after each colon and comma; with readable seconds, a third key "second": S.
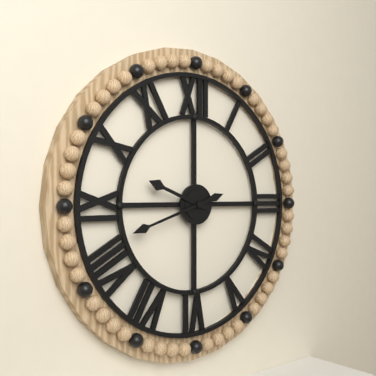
{"hour": 9, "minute": 42}
